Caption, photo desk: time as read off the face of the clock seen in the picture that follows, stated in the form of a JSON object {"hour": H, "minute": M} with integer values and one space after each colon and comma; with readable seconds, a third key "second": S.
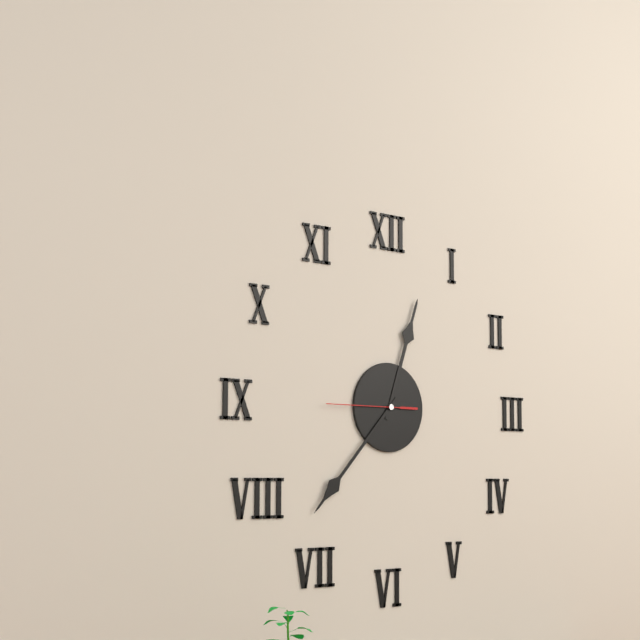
{"hour": 12, "minute": 37, "second": 45}
